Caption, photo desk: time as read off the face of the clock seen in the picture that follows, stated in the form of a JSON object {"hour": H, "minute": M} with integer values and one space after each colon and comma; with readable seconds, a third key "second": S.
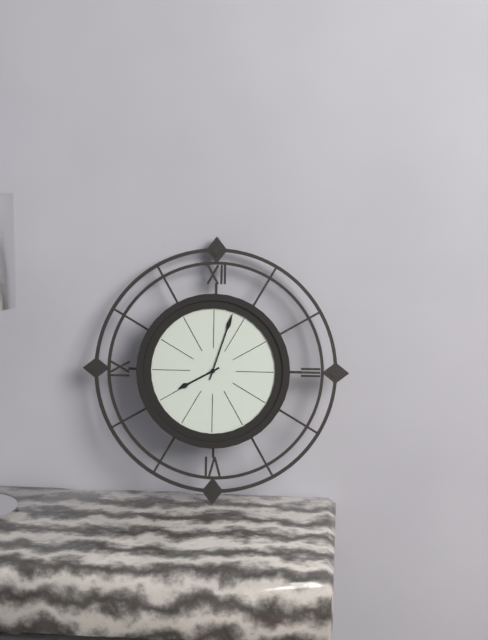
{"hour": 8, "minute": 3}
